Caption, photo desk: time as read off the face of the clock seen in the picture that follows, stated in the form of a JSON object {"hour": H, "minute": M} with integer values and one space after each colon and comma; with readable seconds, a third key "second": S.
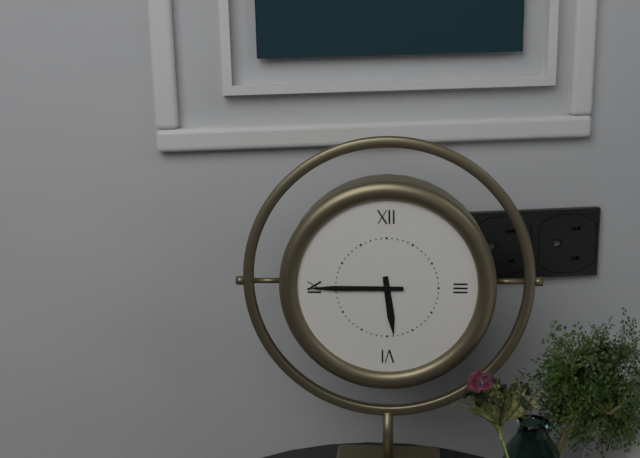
{"hour": 5, "minute": 45}
